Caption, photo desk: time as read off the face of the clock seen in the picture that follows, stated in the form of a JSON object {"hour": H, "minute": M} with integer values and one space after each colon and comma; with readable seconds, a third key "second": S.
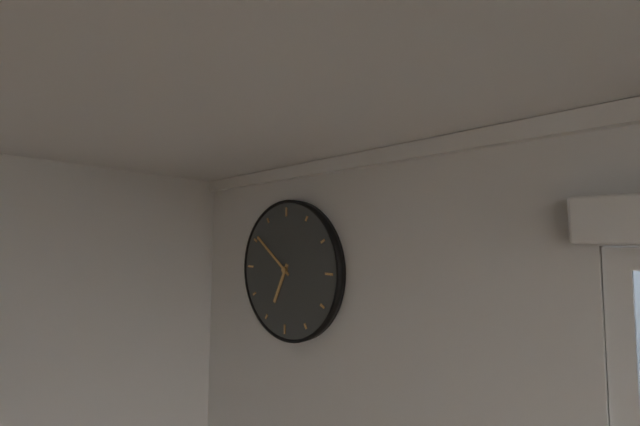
{"hour": 6, "minute": 51}
